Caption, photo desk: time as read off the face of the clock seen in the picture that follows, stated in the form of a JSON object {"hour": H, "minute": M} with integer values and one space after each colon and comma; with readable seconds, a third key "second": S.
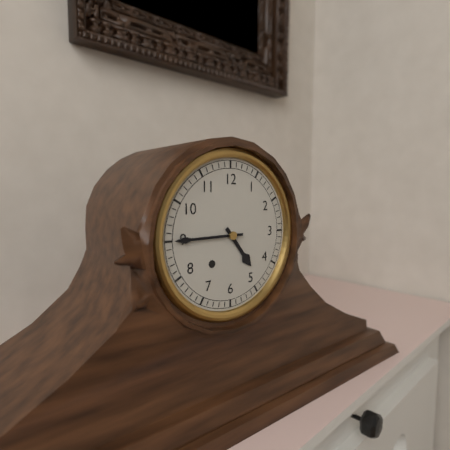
{"hour": 4, "minute": 45}
